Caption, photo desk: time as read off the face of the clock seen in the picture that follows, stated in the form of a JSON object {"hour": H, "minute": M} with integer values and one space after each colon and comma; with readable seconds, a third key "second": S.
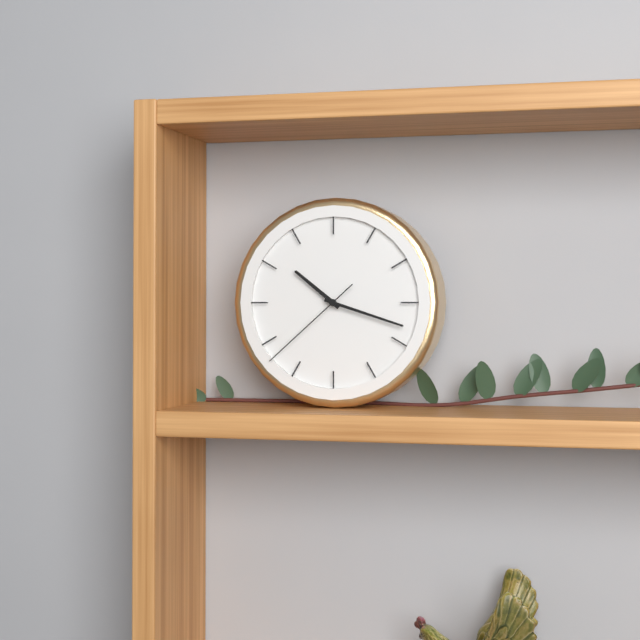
{"hour": 10, "minute": 18, "second": 38}
